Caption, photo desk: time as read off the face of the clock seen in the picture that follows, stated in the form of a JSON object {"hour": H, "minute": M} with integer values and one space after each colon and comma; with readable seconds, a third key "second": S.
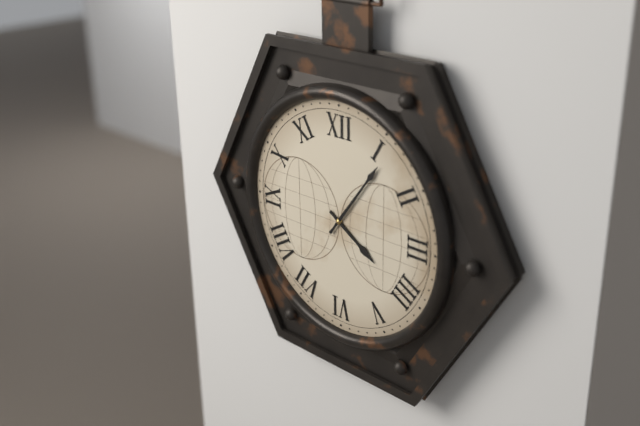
{"hour": 4, "minute": 6}
